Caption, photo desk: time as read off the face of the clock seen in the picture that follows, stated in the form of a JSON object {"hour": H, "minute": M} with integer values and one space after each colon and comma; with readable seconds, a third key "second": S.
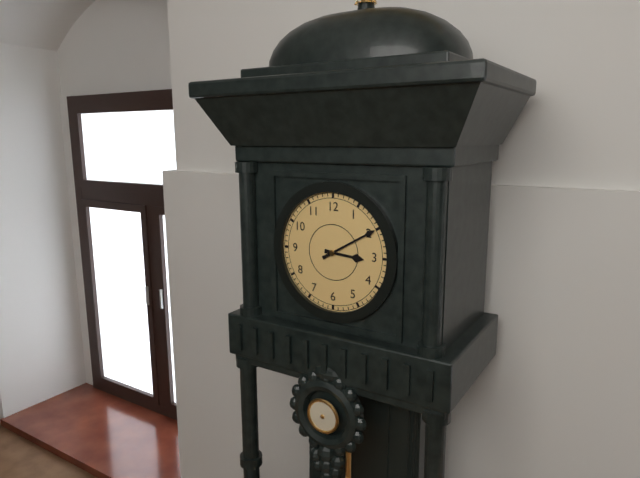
{"hour": 3, "minute": 10}
